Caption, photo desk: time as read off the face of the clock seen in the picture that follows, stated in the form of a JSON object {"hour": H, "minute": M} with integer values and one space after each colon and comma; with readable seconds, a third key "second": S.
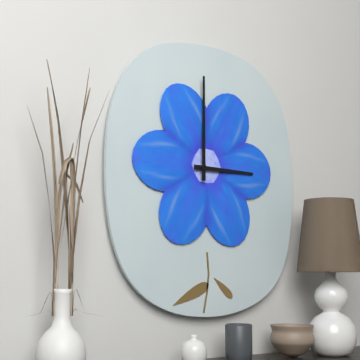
{"hour": 3, "minute": 0}
